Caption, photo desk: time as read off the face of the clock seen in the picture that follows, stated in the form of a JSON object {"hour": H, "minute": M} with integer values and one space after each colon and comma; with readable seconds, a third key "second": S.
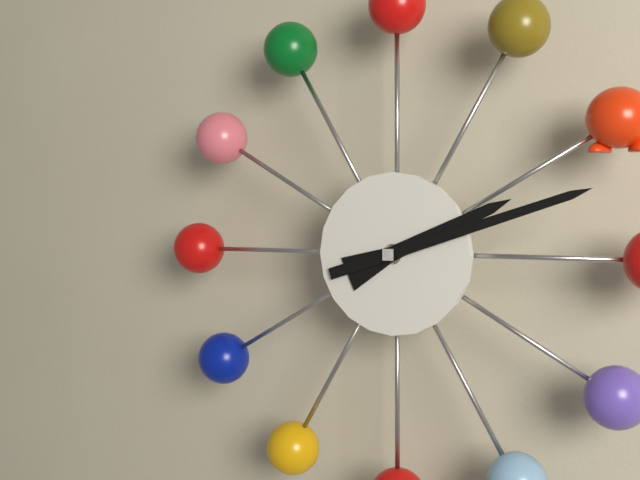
{"hour": 2, "minute": 12}
